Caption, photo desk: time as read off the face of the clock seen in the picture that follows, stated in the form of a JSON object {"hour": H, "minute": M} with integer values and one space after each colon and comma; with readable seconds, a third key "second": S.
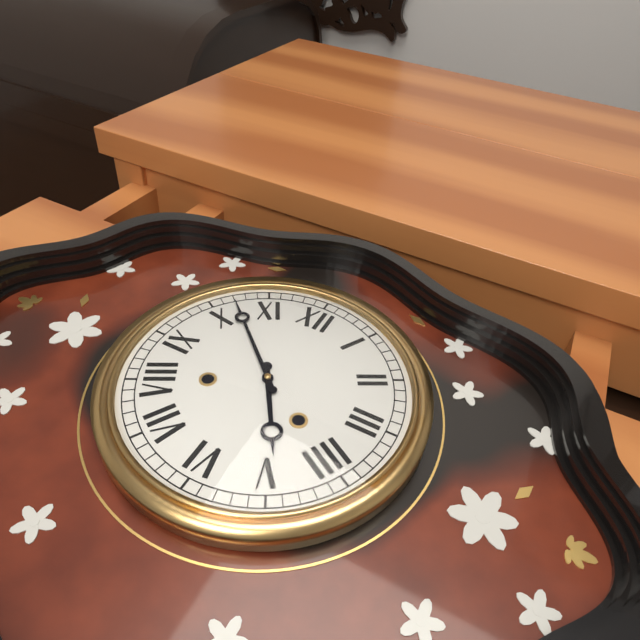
{"hour": 4, "minute": 52}
